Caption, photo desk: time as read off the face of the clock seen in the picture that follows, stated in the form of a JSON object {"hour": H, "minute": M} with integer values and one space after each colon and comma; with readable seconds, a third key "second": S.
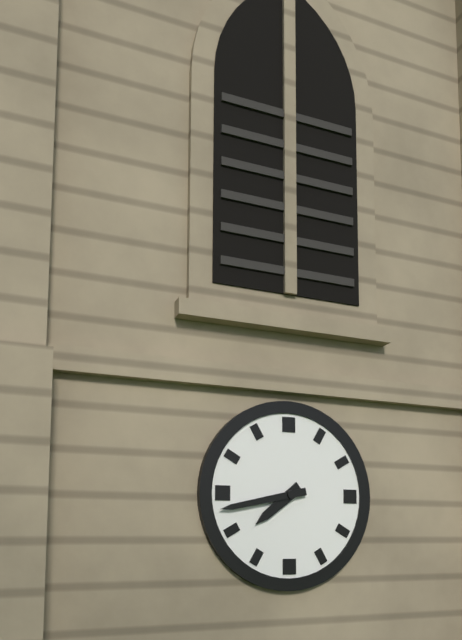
{"hour": 7, "minute": 43}
